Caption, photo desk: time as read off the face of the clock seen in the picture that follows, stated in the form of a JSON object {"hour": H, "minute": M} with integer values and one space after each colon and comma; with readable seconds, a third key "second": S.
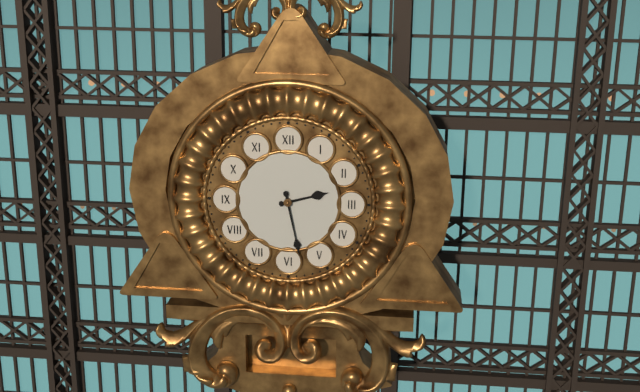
{"hour": 2, "minute": 28}
